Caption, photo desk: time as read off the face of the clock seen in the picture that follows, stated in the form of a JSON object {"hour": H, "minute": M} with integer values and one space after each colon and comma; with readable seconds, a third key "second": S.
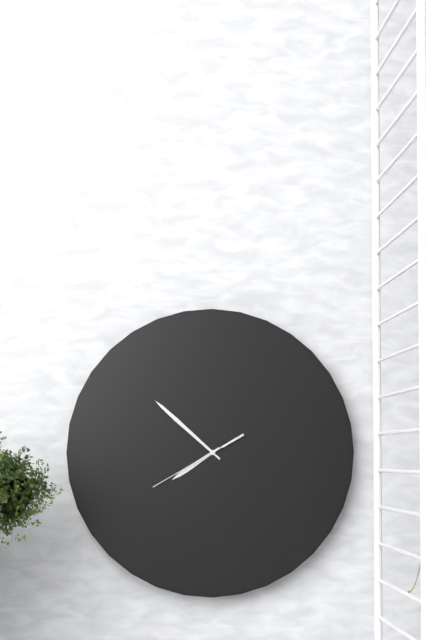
{"hour": 7, "minute": 52, "second": 40}
